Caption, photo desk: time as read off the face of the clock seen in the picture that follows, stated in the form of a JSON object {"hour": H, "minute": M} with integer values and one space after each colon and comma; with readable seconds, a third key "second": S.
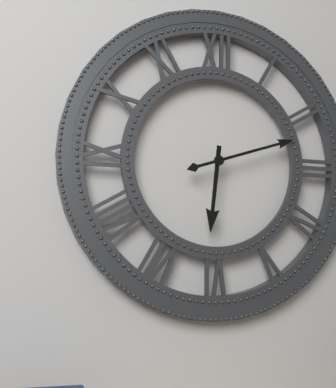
{"hour": 6, "minute": 12}
